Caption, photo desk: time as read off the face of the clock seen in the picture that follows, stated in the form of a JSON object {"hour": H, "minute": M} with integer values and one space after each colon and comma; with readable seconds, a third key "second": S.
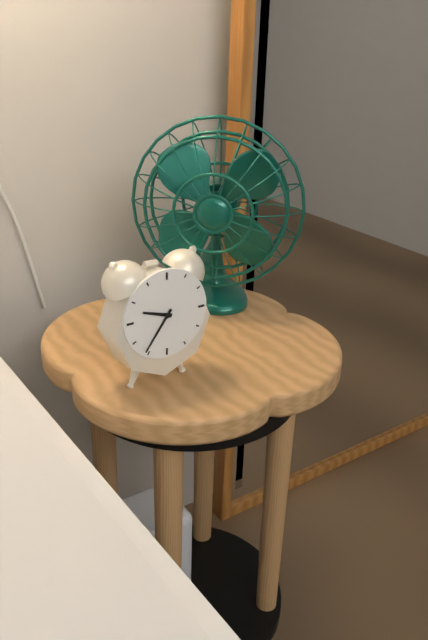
{"hour": 9, "minute": 36}
